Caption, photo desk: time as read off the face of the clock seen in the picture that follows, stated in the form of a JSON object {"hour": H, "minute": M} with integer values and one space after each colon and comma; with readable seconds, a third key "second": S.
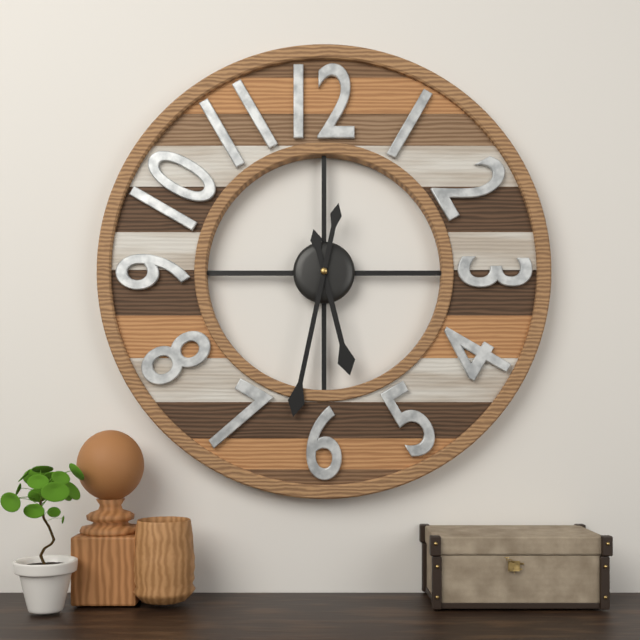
{"hour": 5, "minute": 32}
